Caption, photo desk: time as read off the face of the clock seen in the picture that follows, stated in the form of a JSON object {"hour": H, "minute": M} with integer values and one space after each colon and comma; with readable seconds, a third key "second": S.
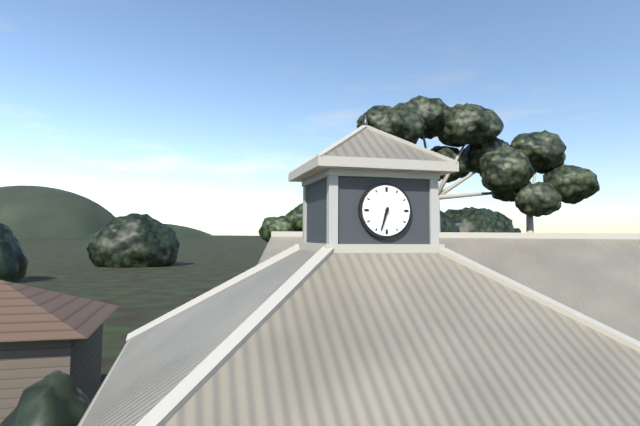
{"hour": 6, "minute": 33}
